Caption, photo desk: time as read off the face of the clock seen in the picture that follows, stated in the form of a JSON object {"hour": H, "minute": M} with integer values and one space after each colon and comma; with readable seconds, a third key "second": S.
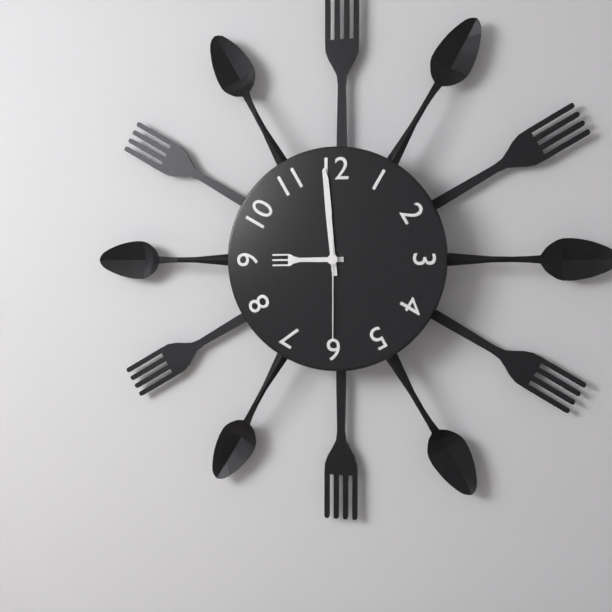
{"hour": 8, "minute": 59, "second": 30}
